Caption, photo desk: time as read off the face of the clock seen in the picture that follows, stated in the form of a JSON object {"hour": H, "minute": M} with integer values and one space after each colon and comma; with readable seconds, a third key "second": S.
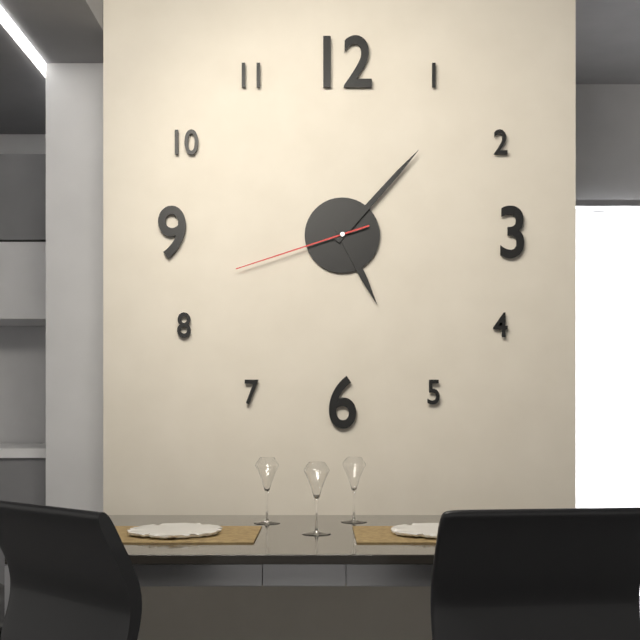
{"hour": 5, "minute": 7, "second": 42}
